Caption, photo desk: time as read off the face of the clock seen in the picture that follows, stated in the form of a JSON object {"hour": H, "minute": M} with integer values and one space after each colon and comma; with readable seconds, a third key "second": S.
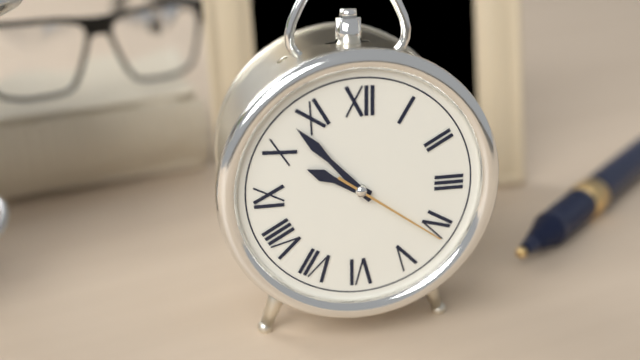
{"hour": 9, "minute": 53, "second": 21}
